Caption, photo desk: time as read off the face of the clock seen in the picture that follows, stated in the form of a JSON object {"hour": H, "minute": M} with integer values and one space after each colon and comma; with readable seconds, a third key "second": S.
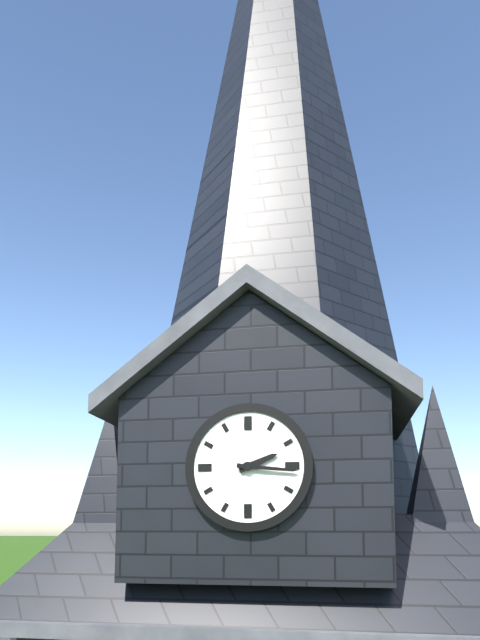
{"hour": 2, "minute": 16}
